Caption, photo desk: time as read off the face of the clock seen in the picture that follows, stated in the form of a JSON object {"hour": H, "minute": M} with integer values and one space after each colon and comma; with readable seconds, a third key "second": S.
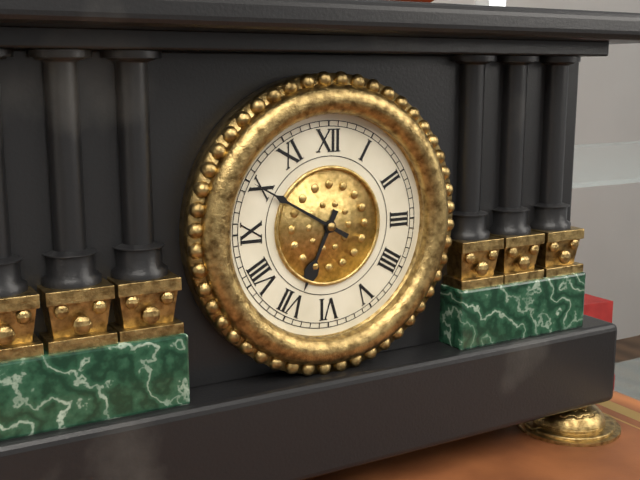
{"hour": 6, "minute": 50}
